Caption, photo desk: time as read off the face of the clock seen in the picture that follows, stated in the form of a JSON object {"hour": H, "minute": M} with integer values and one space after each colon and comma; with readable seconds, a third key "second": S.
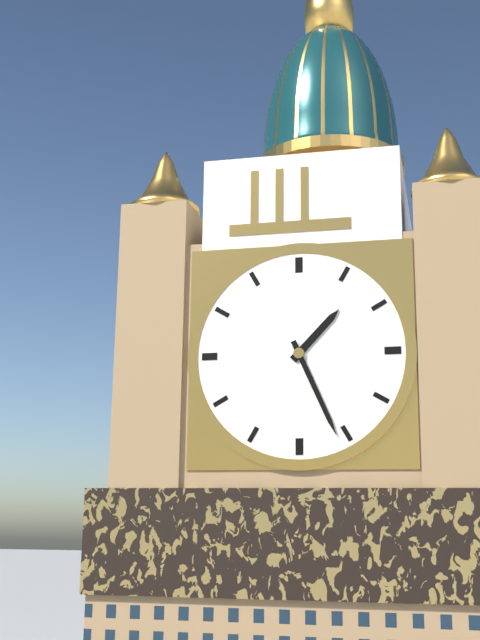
{"hour": 1, "minute": 26}
